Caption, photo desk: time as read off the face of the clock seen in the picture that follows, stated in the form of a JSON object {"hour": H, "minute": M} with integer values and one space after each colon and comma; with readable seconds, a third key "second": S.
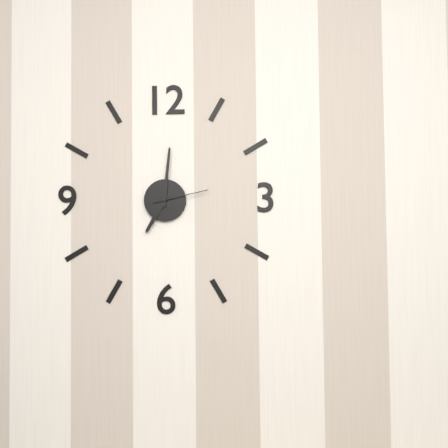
{"hour": 7, "minute": 1, "second": 13}
